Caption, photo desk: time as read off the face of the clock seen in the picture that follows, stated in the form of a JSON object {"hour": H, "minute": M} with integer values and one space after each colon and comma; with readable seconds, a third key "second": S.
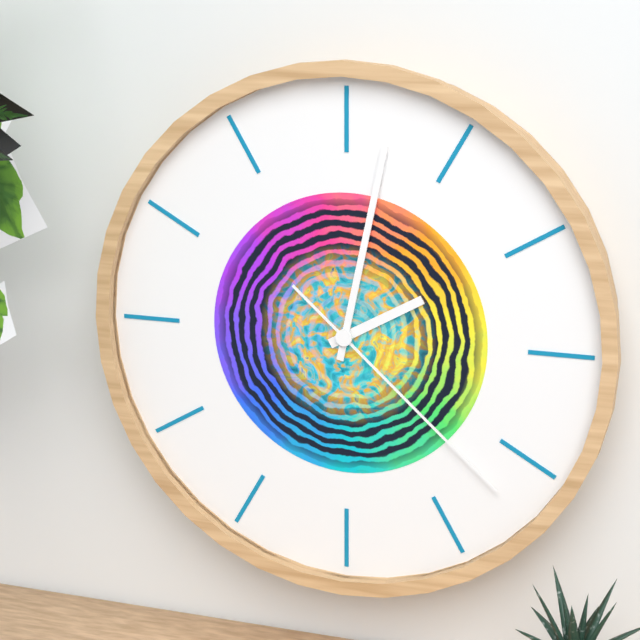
{"hour": 2, "minute": 2, "second": 22}
